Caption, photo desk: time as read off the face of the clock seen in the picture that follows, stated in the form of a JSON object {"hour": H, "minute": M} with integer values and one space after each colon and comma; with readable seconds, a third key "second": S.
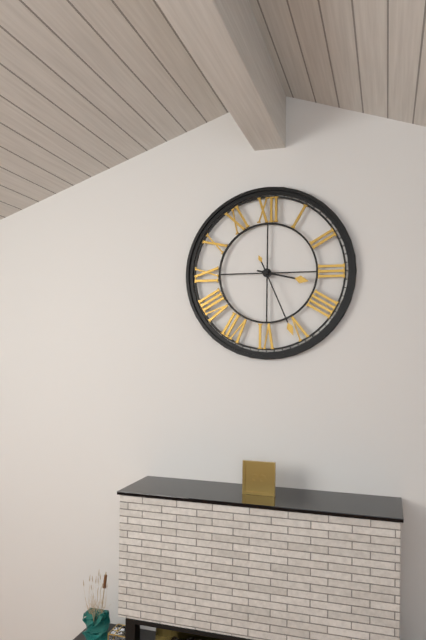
{"hour": 3, "minute": 26}
